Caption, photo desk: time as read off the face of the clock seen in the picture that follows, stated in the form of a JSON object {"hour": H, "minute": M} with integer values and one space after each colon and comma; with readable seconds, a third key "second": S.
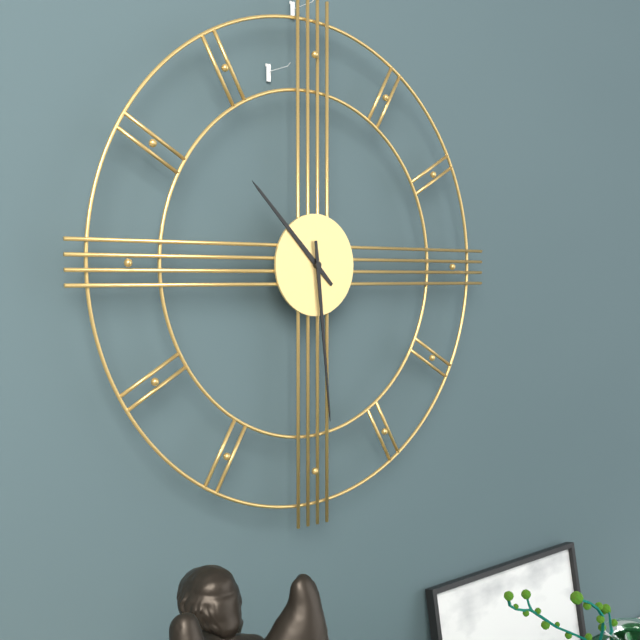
{"hour": 10, "minute": 29}
